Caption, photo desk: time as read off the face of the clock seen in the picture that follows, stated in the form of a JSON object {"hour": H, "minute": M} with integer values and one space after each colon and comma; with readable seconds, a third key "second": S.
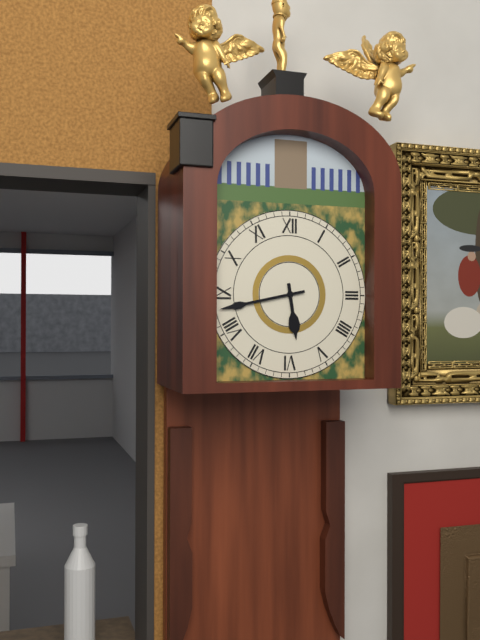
{"hour": 5, "minute": 43}
